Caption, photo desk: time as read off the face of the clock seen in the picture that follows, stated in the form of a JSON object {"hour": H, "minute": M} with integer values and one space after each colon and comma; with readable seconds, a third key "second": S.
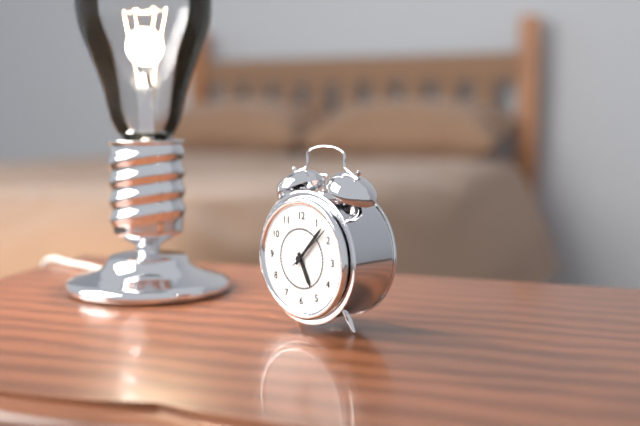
{"hour": 5, "minute": 7}
